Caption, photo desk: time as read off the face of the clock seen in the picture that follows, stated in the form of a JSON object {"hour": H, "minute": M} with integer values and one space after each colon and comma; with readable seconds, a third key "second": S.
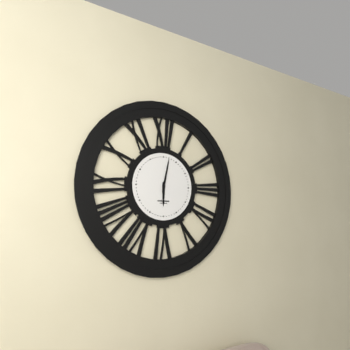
{"hour": 6, "minute": 2}
